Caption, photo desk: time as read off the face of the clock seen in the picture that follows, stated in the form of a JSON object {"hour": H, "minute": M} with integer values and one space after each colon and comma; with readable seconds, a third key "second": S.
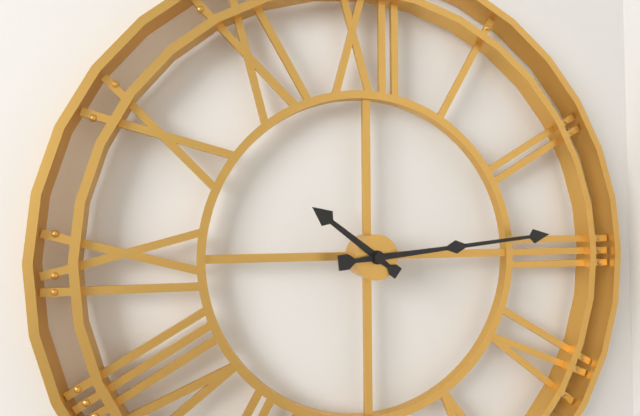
{"hour": 10, "minute": 14}
